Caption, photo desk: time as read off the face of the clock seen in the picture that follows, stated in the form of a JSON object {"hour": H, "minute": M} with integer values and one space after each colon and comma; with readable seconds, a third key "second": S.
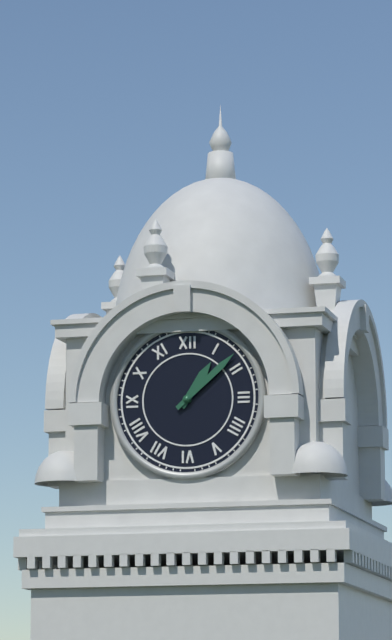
{"hour": 1, "minute": 8}
